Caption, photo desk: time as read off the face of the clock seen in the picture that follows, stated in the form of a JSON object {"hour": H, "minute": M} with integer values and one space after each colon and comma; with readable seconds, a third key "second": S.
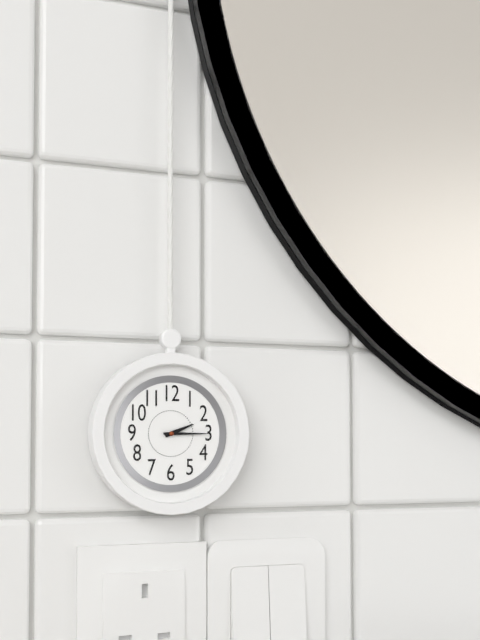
{"hour": 2, "minute": 15}
